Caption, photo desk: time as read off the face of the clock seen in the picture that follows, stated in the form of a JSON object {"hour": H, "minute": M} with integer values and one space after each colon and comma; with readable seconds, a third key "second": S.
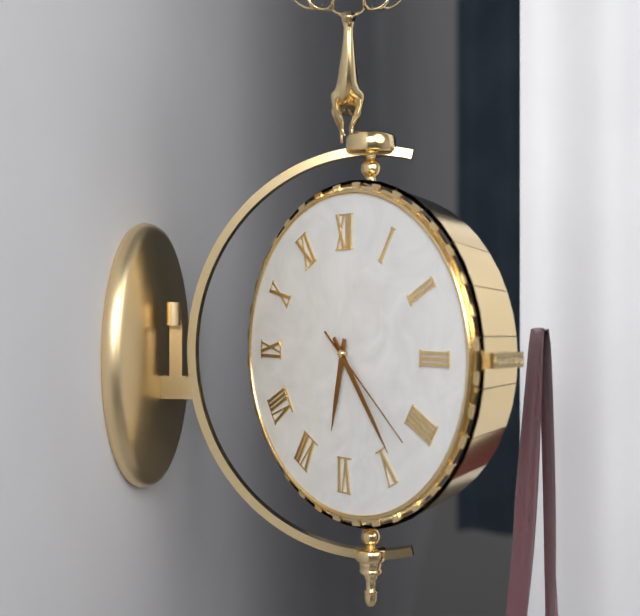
{"hour": 6, "minute": 24, "second": 22}
